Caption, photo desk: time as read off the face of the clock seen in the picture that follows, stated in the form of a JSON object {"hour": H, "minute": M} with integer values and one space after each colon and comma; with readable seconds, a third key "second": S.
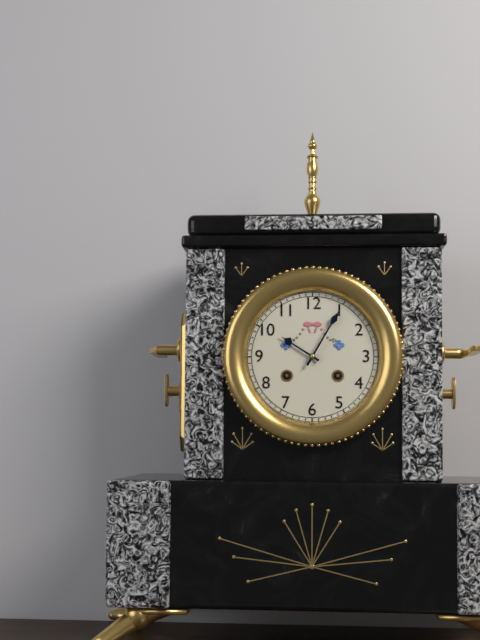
{"hour": 10, "minute": 5}
